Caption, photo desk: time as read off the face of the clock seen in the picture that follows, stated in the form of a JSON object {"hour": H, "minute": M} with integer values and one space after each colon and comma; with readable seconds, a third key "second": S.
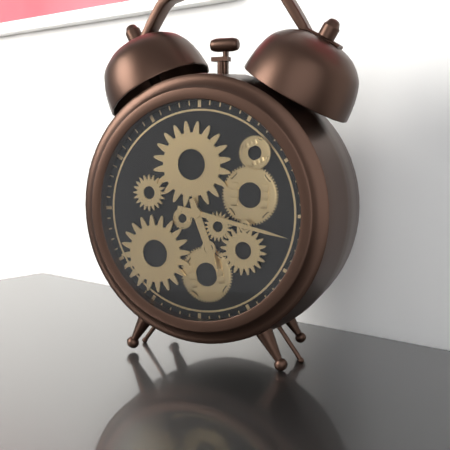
{"hour": 5, "minute": 17}
